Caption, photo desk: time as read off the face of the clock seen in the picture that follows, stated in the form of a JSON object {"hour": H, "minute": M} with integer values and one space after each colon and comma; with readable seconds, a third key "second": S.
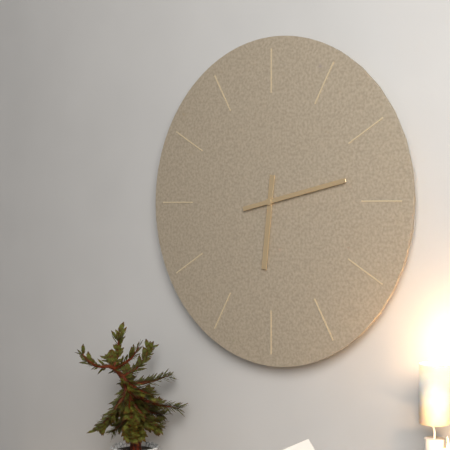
{"hour": 6, "minute": 13}
